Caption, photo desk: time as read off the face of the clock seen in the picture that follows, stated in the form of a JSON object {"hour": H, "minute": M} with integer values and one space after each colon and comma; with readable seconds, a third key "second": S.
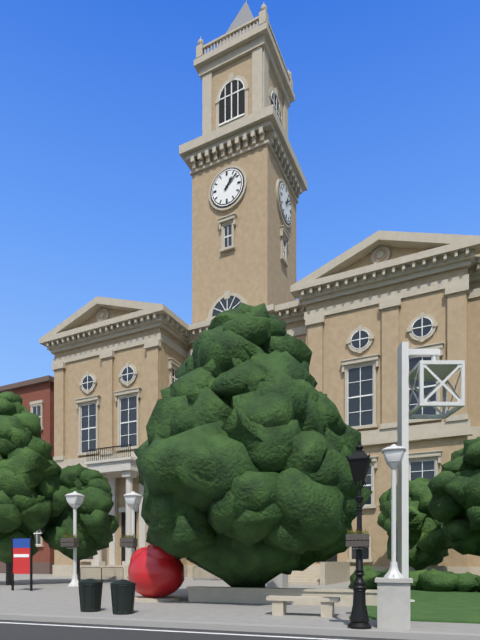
{"hour": 1, "minute": 8}
